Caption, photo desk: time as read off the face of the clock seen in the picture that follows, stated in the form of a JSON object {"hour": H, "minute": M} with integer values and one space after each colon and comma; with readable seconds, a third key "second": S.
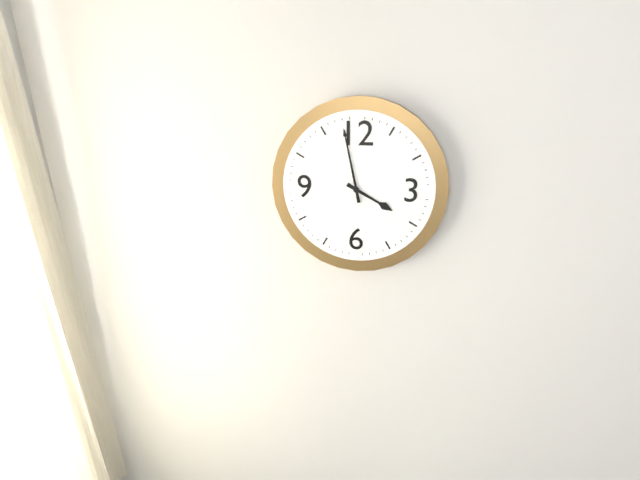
{"hour": 3, "minute": 58}
